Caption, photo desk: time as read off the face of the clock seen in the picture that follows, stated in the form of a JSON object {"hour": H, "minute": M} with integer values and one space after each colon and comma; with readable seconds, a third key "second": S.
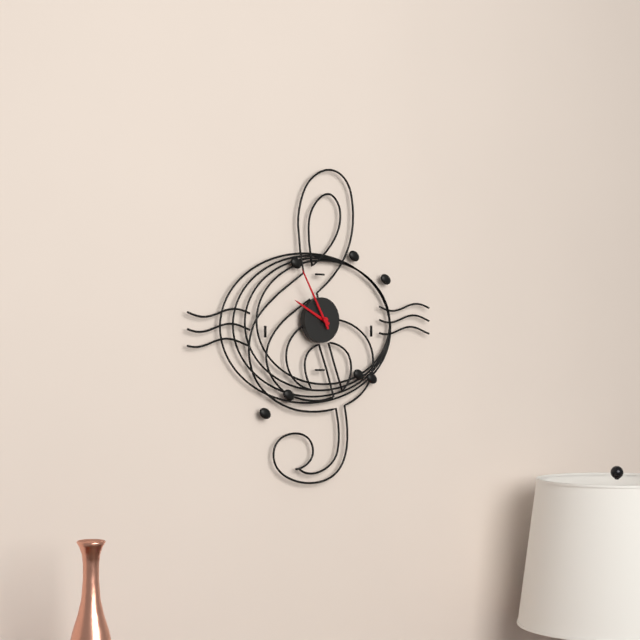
{"hour": 9, "minute": 55}
